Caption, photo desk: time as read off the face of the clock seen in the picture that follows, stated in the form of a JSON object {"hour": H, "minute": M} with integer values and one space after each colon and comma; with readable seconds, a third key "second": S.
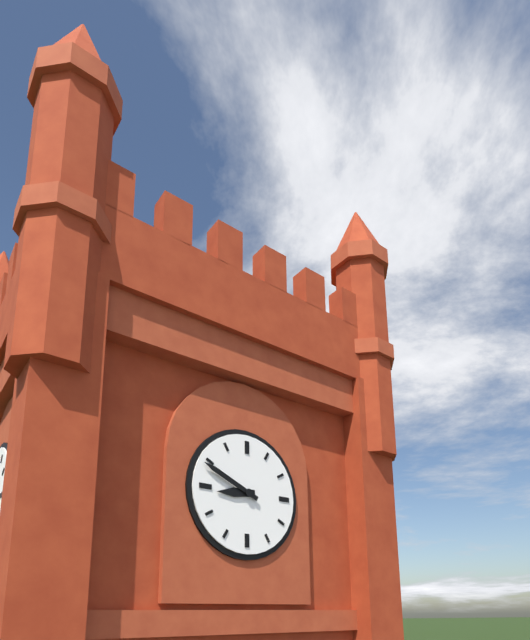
{"hour": 8, "minute": 49}
